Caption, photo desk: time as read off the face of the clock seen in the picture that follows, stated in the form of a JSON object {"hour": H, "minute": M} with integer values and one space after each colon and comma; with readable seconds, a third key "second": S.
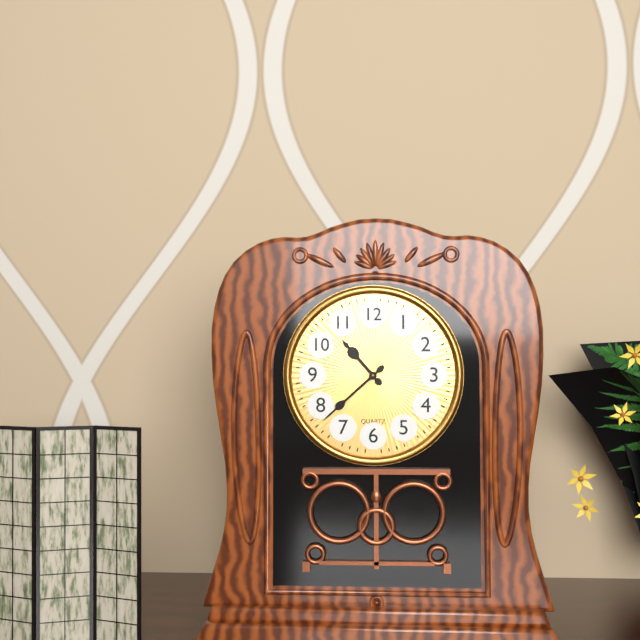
{"hour": 10, "minute": 38}
